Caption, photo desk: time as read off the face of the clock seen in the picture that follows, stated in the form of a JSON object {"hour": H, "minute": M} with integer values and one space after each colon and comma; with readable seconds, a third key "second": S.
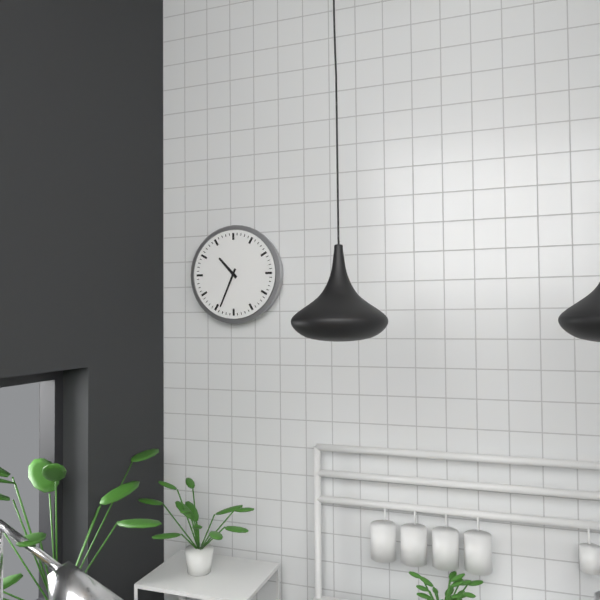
{"hour": 10, "minute": 34}
